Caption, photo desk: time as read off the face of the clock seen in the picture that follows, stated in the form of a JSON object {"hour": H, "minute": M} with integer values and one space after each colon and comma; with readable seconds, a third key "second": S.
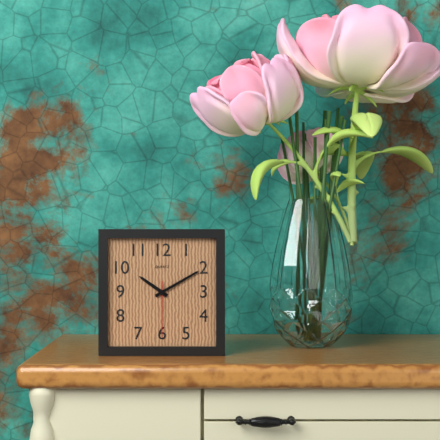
{"hour": 10, "minute": 10, "second": 30}
